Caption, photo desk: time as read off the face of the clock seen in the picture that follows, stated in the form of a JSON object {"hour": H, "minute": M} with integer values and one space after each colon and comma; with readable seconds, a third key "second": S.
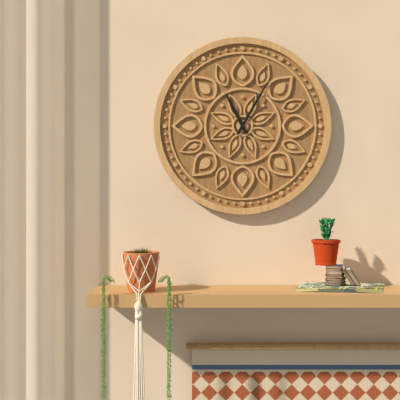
{"hour": 11, "minute": 5}
